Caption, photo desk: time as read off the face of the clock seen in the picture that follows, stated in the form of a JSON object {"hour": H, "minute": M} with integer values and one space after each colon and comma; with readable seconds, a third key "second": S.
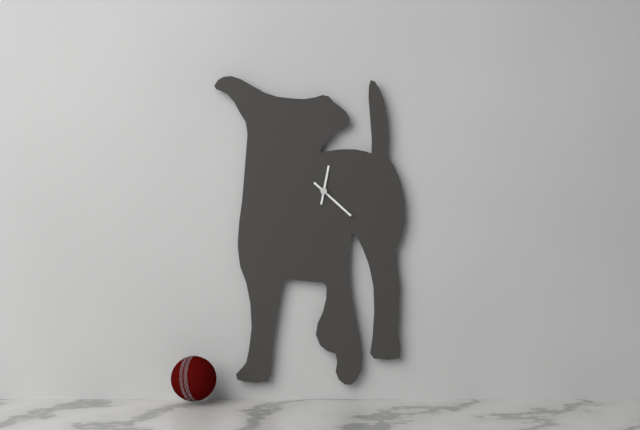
{"hour": 12, "minute": 22}
